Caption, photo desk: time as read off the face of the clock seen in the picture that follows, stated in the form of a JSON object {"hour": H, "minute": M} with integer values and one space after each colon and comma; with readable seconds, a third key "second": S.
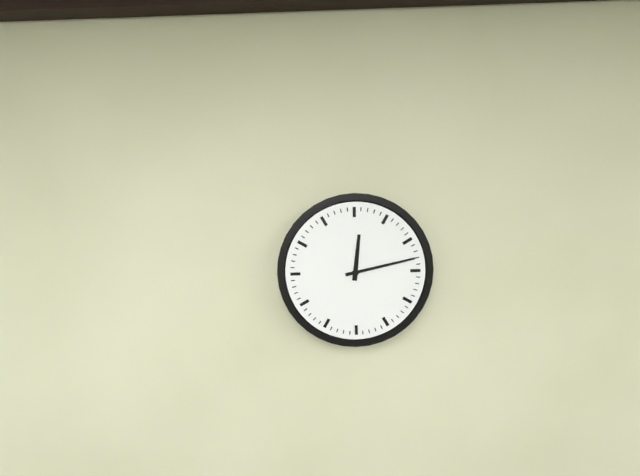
{"hour": 12, "minute": 13}
